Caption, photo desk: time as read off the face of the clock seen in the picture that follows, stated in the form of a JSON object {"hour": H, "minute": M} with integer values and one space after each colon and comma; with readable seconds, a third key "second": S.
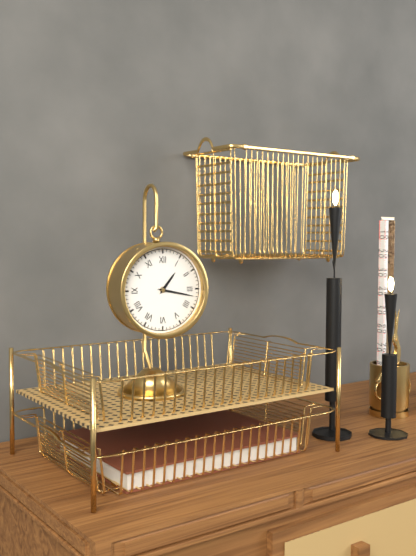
{"hour": 1, "minute": 17}
